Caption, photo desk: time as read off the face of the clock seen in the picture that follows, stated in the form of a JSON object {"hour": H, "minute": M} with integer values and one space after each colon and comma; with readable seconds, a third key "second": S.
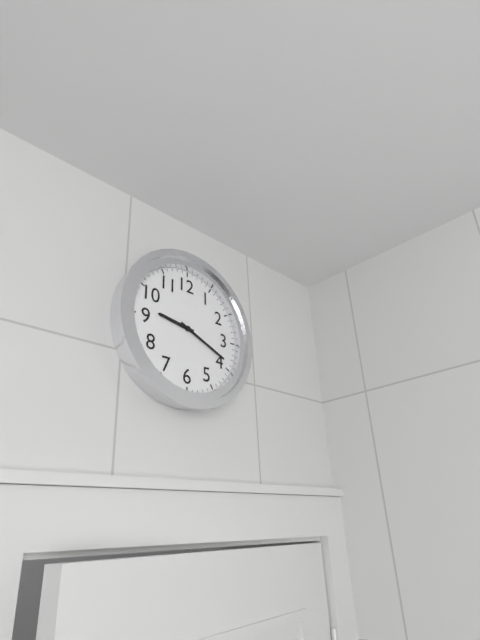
{"hour": 9, "minute": 19}
